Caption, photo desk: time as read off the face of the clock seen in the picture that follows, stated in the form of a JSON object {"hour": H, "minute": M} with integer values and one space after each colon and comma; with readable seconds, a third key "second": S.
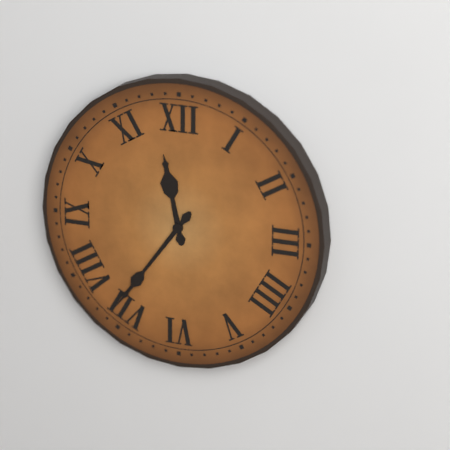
{"hour": 11, "minute": 36}
